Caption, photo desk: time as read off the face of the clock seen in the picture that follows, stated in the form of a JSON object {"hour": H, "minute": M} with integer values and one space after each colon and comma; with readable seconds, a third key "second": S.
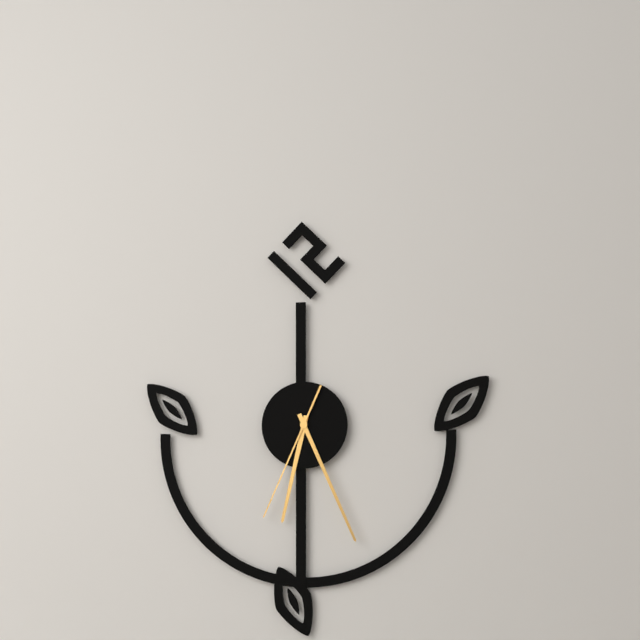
{"hour": 6, "minute": 26, "second": 34}
